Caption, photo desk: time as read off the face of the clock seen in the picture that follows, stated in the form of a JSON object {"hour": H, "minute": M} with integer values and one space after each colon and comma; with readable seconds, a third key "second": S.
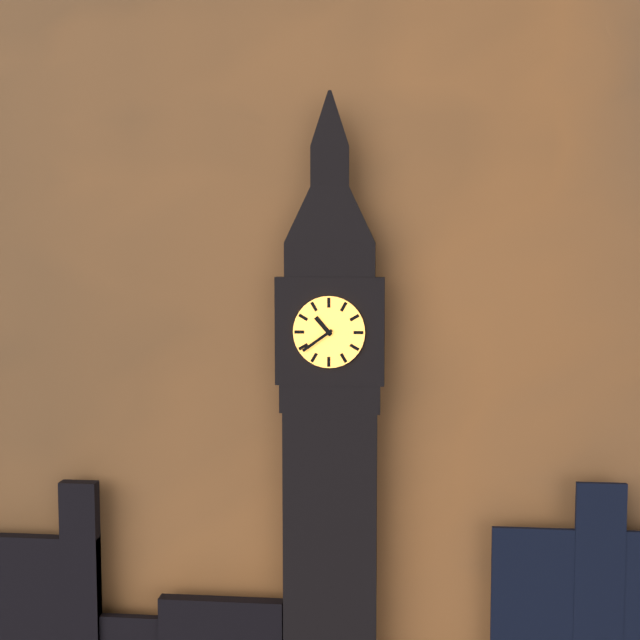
{"hour": 10, "minute": 39}
